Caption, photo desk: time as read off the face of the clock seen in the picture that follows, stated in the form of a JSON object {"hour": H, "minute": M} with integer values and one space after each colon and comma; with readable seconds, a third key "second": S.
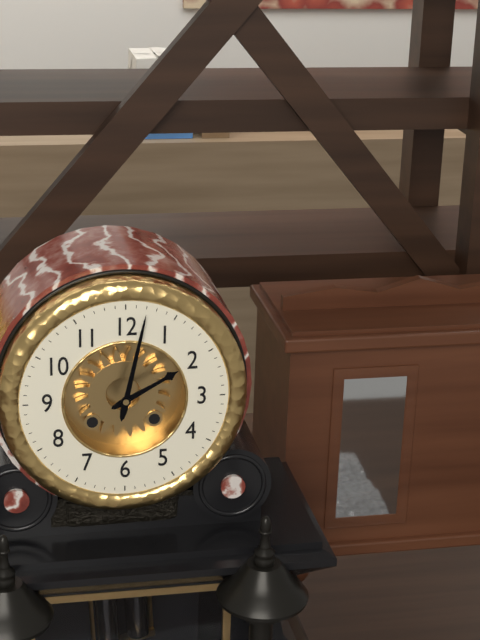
{"hour": 2, "minute": 2}
